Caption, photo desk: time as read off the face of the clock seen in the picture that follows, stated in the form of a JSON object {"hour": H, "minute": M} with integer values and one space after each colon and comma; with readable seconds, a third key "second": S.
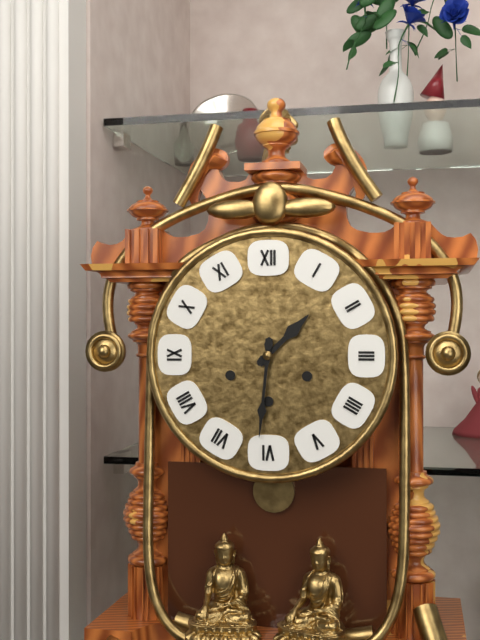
{"hour": 1, "minute": 31}
